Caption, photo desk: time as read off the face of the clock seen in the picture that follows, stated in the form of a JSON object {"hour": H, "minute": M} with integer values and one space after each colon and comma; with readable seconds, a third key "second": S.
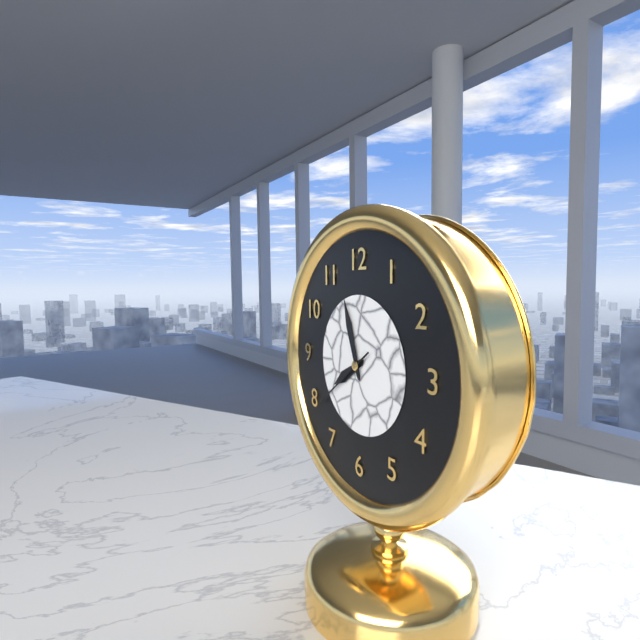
{"hour": 7, "minute": 57, "second": 39}
